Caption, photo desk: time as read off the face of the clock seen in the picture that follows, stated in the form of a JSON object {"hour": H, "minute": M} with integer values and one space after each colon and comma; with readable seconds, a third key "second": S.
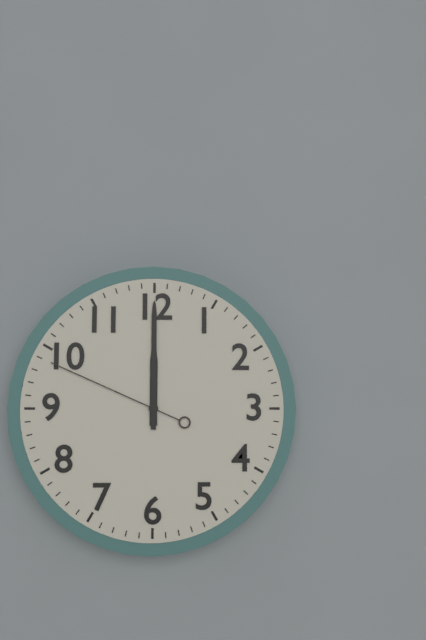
{"hour": 12, "minute": 0, "second": 49}
